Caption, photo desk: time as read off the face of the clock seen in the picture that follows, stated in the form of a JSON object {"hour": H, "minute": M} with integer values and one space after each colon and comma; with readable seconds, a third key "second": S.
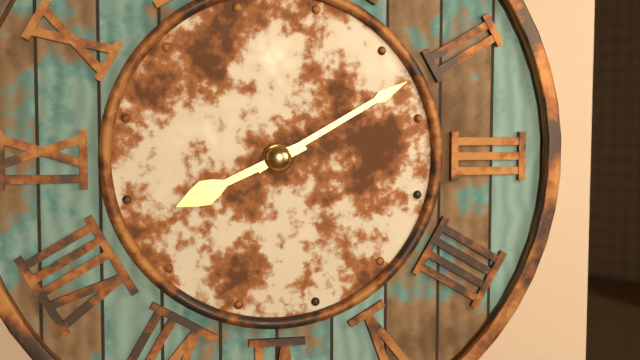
{"hour": 8, "minute": 10}
